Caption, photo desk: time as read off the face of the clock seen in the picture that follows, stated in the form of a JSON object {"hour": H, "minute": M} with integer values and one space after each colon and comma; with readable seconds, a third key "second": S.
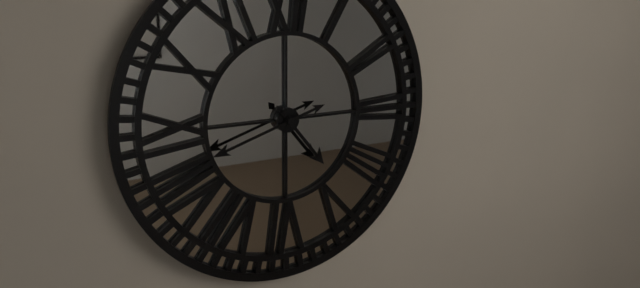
{"hour": 4, "minute": 42}
